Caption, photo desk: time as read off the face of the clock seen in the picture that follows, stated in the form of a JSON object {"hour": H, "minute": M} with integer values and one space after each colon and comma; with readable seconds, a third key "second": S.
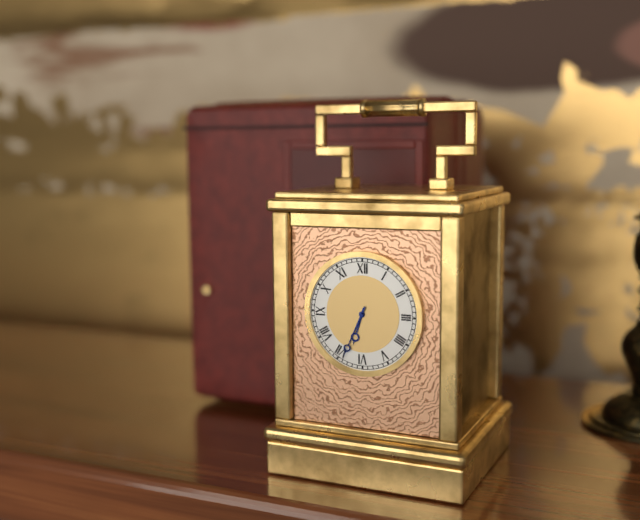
{"hour": 6, "minute": 34}
